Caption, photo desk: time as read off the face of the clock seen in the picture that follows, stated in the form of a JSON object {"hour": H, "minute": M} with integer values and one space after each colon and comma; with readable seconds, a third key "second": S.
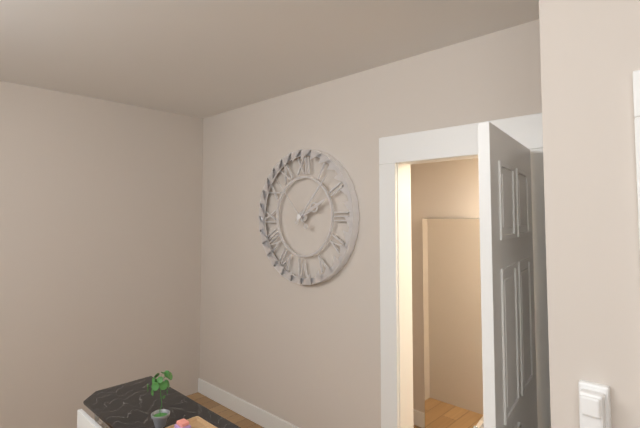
{"hour": 2, "minute": 7, "second": 53}
